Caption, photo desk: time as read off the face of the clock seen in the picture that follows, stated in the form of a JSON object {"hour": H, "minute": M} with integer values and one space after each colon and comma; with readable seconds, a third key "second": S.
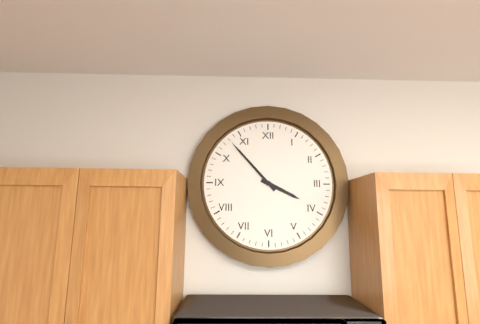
{"hour": 3, "minute": 53}
